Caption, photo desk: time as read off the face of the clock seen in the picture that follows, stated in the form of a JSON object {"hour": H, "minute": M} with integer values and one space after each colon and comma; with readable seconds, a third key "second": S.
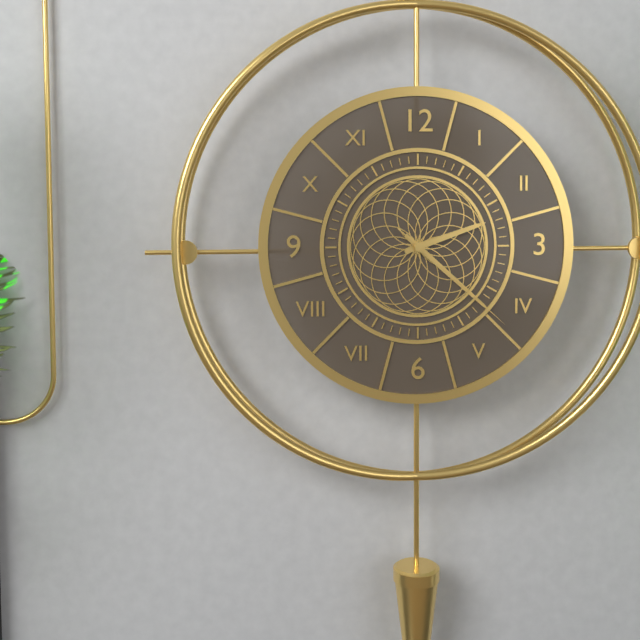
{"hour": 2, "minute": 22, "second": 22}
